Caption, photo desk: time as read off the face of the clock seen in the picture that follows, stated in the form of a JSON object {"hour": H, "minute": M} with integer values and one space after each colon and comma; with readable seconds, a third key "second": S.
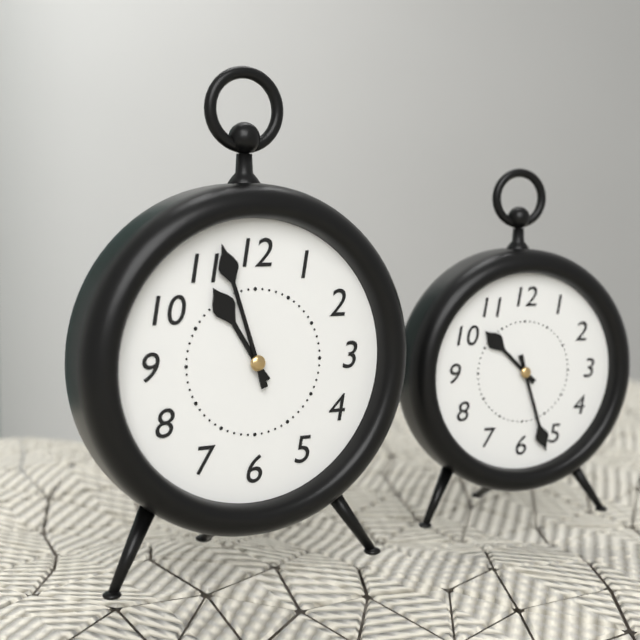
{"hour": 10, "minute": 57}
